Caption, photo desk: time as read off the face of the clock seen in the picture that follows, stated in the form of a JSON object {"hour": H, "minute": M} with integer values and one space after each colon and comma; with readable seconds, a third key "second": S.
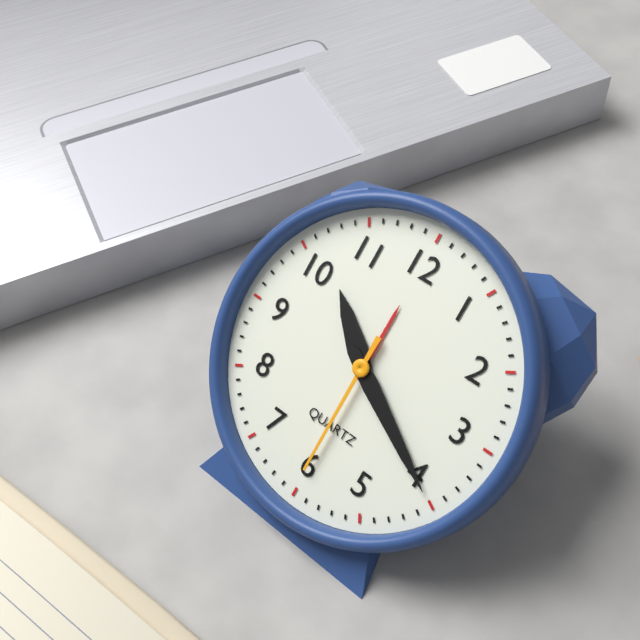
{"hour": 10, "minute": 20, "second": 30}
